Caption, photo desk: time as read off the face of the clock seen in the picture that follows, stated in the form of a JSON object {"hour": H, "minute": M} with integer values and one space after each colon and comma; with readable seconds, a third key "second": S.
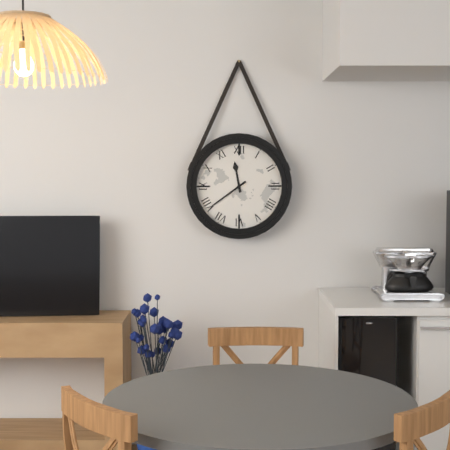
{"hour": 11, "minute": 39}
